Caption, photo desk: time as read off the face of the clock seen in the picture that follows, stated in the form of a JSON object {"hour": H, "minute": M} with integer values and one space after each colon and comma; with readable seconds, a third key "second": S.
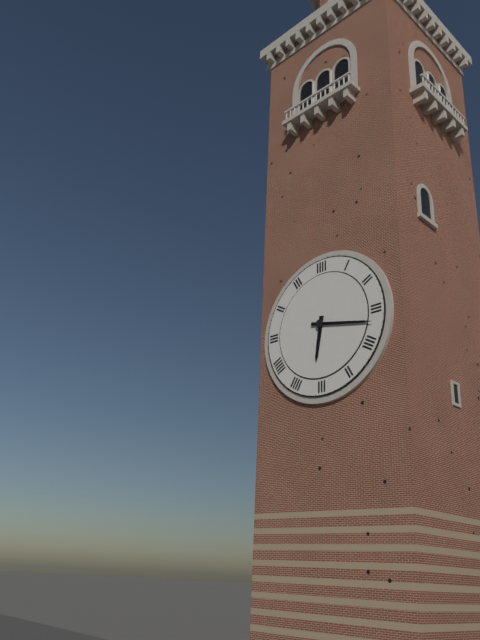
{"hour": 6, "minute": 17}
